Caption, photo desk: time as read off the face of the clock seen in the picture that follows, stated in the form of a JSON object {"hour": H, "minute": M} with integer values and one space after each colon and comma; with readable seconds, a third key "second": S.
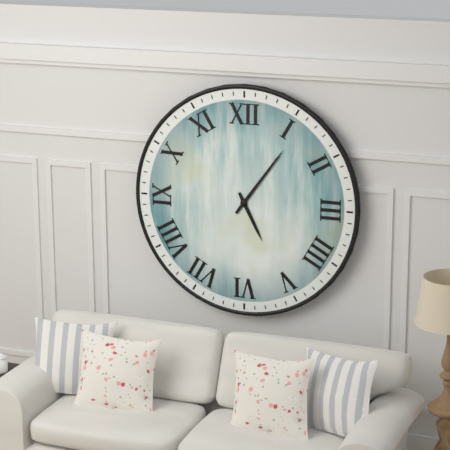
{"hour": 5, "minute": 6}
